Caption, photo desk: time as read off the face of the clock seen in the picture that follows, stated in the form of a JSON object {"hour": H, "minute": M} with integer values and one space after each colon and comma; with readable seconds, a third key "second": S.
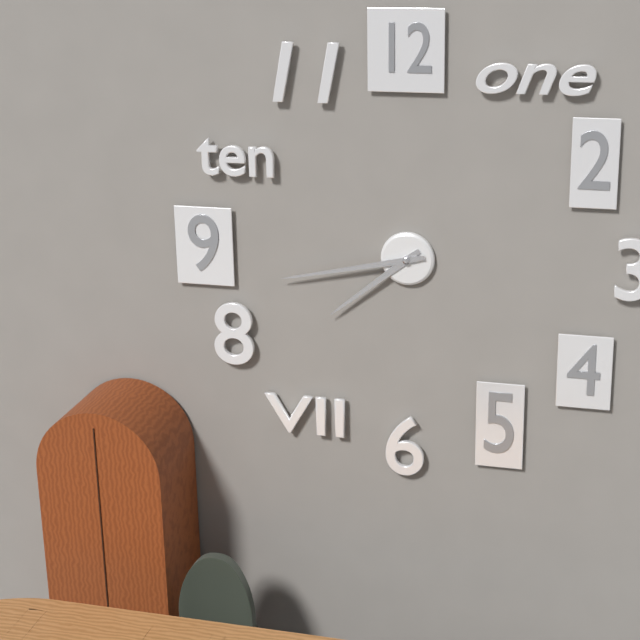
{"hour": 7, "minute": 43}
